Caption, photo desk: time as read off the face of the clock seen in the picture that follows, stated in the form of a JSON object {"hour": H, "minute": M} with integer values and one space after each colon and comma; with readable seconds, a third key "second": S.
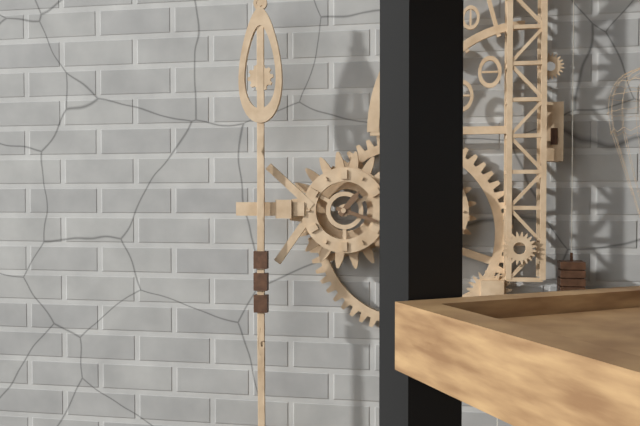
{"hour": 1, "minute": 18}
